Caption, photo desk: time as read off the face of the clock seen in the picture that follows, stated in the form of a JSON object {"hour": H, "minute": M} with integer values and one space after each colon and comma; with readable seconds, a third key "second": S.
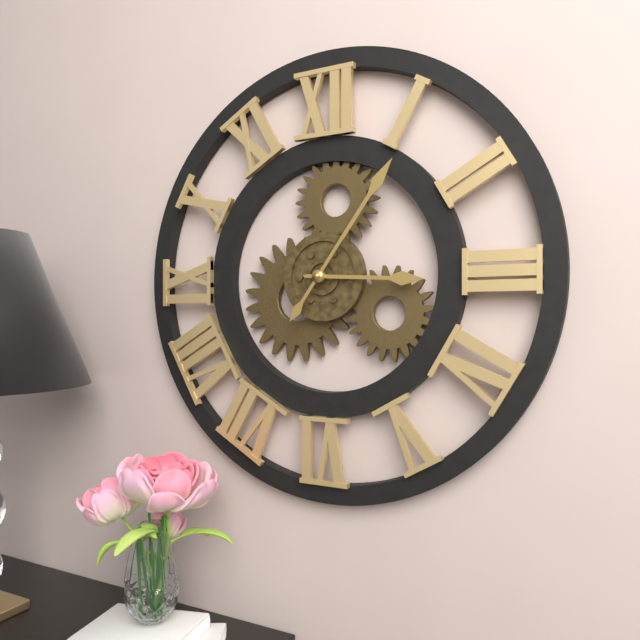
{"hour": 3, "minute": 6}
